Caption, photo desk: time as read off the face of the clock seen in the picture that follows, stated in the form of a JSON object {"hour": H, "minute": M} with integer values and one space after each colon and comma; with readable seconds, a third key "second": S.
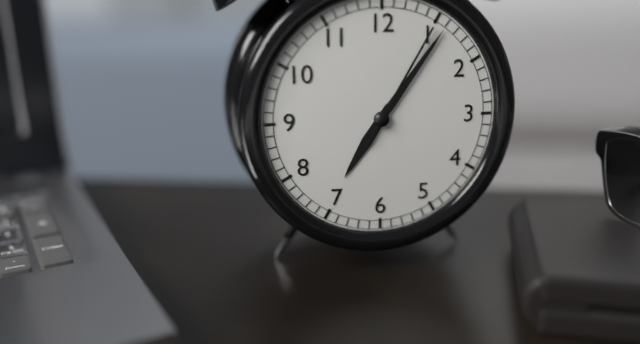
{"hour": 7, "minute": 6, "second": 5}
